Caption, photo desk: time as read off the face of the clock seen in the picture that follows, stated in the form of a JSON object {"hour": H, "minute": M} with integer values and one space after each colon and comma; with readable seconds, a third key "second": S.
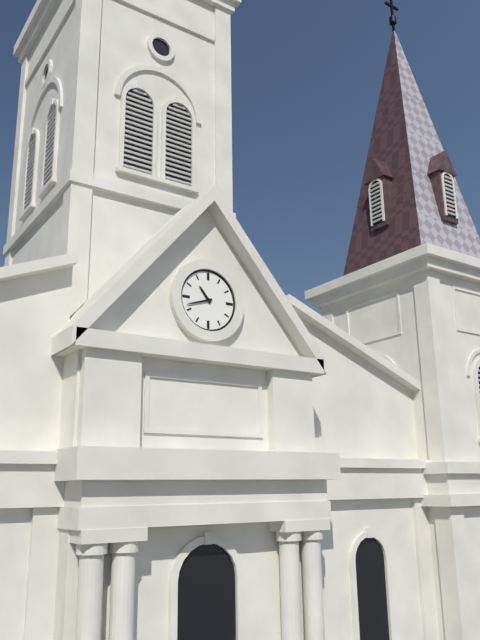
{"hour": 10, "minute": 42}
